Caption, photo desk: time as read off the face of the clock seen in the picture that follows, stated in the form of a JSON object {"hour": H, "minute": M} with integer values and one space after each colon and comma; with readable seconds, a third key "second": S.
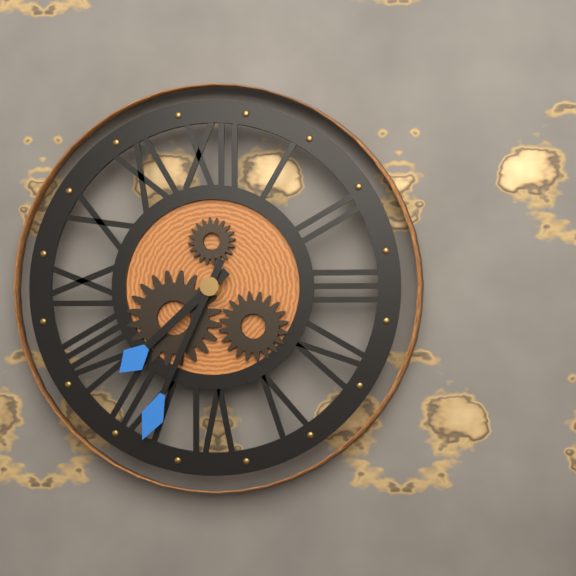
{"hour": 7, "minute": 34}
